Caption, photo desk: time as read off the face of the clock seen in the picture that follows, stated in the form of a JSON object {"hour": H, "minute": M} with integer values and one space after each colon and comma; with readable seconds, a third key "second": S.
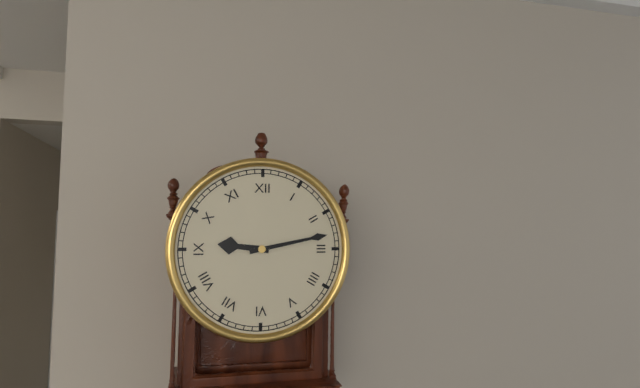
{"hour": 9, "minute": 13}
